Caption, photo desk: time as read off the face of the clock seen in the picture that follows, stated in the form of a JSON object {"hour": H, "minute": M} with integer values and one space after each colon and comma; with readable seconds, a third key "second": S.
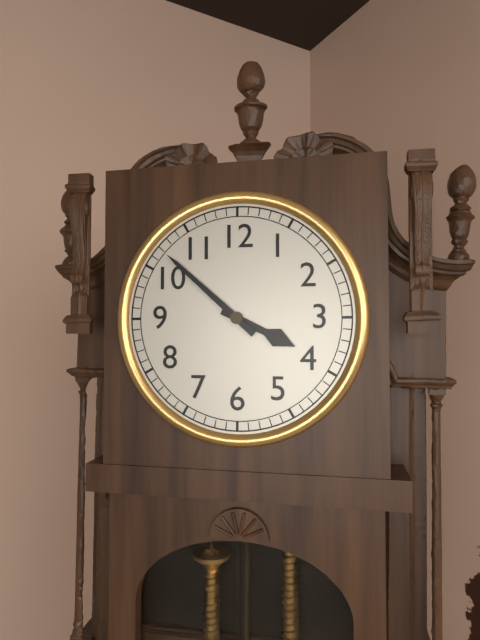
{"hour": 3, "minute": 52}
